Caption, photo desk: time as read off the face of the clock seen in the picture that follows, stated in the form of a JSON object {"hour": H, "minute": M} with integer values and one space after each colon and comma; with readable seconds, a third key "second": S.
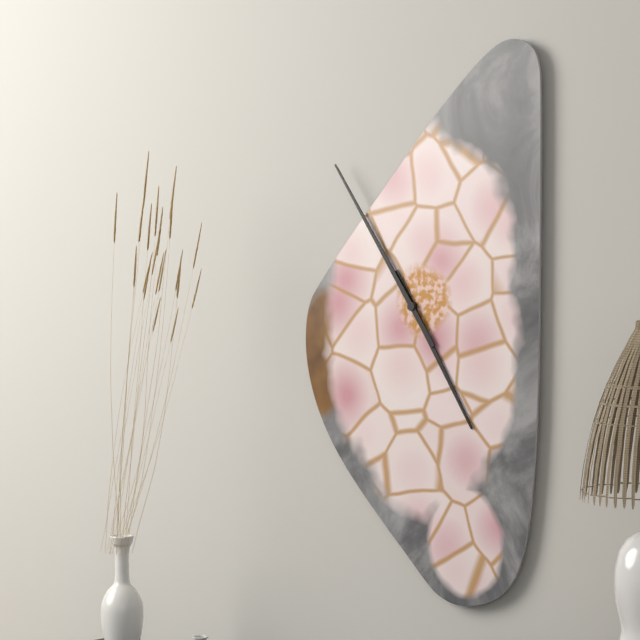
{"hour": 4, "minute": 54}
